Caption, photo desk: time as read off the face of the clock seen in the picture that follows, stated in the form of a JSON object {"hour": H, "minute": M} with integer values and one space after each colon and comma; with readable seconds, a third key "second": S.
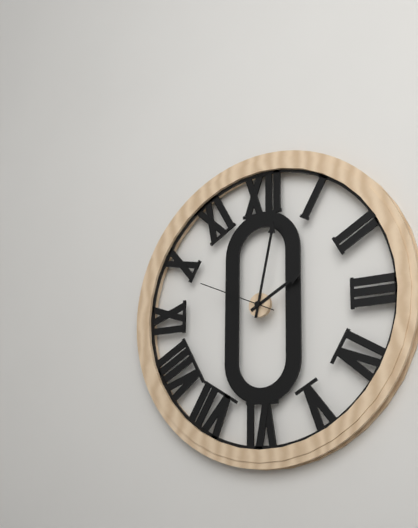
{"hour": 2, "minute": 2, "second": 49}
